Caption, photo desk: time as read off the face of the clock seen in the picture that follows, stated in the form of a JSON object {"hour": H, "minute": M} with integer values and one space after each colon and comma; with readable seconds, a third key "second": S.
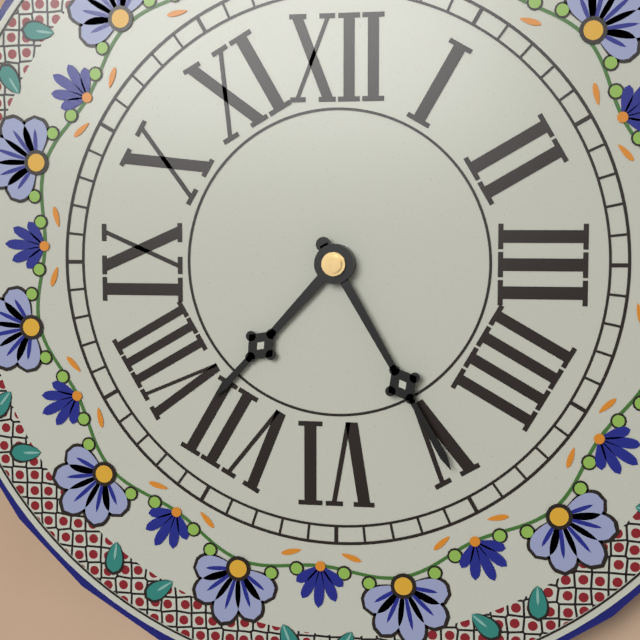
{"hour": 7, "minute": 25}
